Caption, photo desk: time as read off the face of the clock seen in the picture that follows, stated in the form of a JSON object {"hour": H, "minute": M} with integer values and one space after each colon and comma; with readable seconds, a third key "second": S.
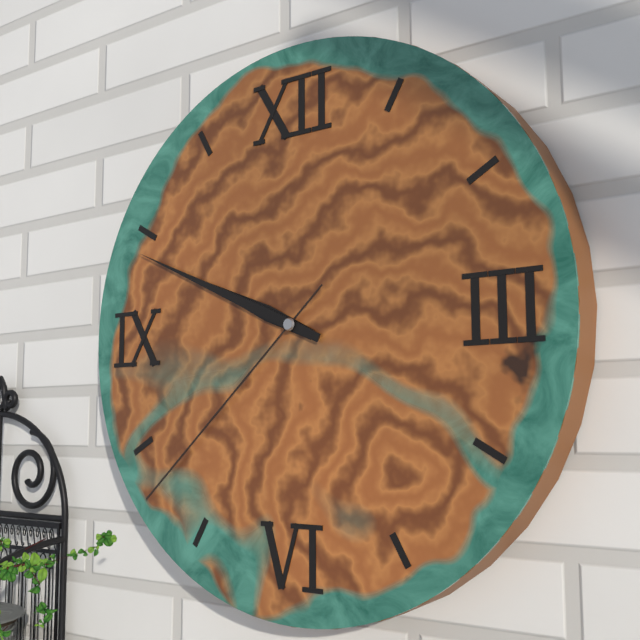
{"hour": 9, "minute": 49, "second": 38}
